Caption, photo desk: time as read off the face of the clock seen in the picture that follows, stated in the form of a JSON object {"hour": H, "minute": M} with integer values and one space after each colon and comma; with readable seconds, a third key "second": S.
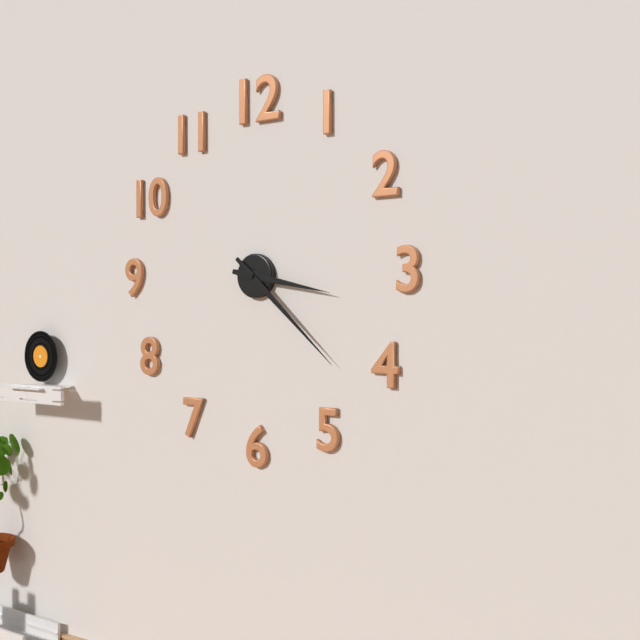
{"hour": 3, "minute": 22}
